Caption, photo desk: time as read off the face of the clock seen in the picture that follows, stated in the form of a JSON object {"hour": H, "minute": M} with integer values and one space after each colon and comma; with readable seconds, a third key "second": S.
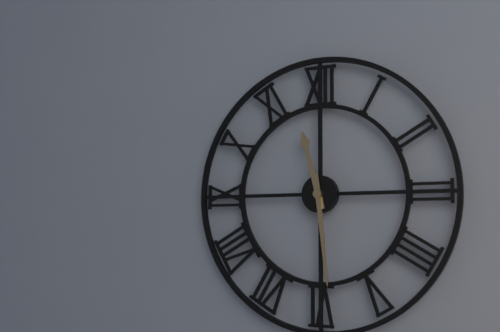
{"hour": 11, "minute": 29}
